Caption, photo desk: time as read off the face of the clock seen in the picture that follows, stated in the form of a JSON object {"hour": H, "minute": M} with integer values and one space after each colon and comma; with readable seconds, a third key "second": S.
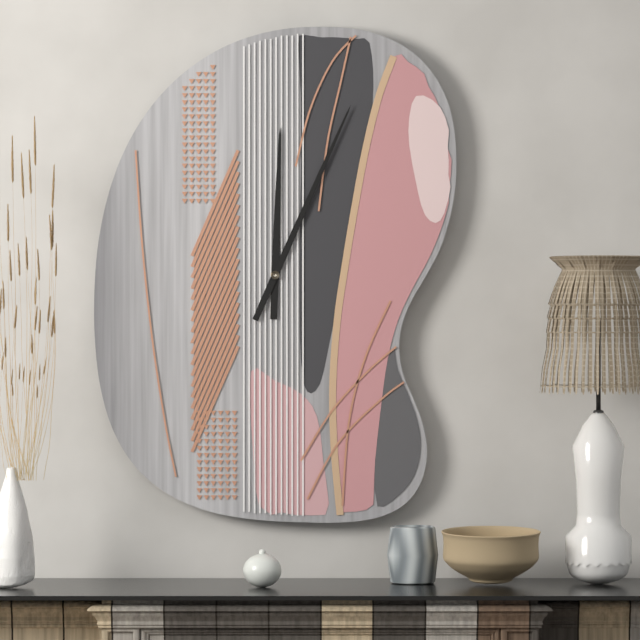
{"hour": 12, "minute": 4}
